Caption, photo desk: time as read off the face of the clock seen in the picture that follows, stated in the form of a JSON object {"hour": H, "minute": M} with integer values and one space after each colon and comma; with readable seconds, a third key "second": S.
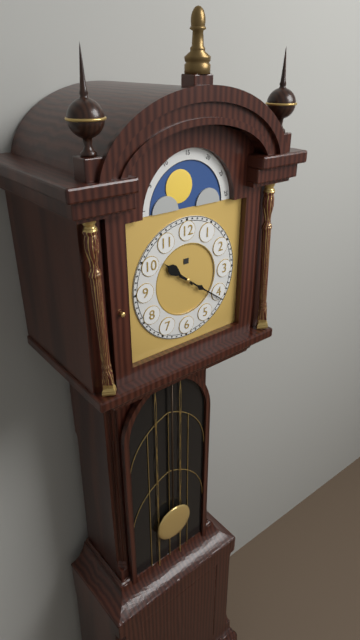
{"hour": 10, "minute": 21}
